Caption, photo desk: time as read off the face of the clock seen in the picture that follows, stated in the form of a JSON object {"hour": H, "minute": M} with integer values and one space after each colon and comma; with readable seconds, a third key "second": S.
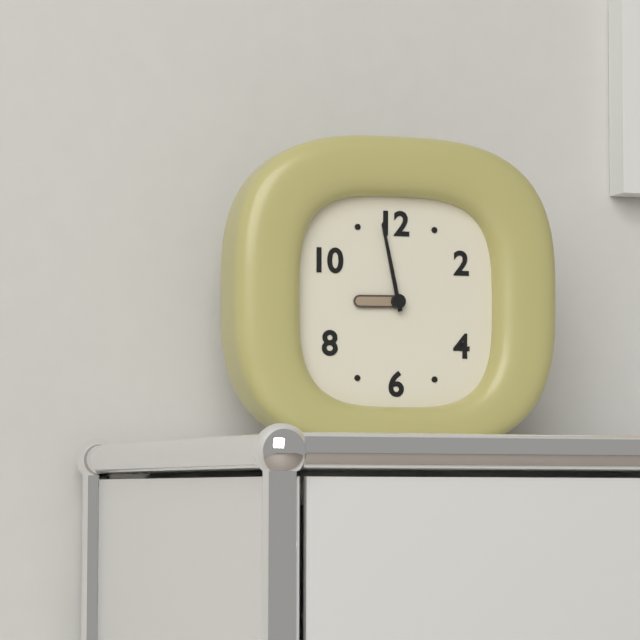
{"hour": 8, "minute": 58}
